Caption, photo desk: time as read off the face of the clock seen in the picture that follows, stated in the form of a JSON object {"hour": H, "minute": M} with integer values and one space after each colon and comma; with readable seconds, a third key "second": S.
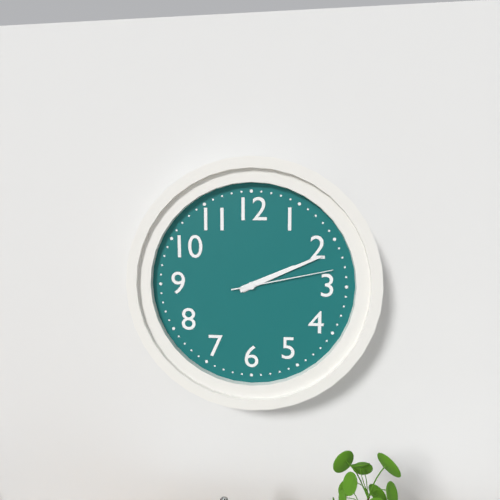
{"hour": 2, "minute": 11, "second": 13}
